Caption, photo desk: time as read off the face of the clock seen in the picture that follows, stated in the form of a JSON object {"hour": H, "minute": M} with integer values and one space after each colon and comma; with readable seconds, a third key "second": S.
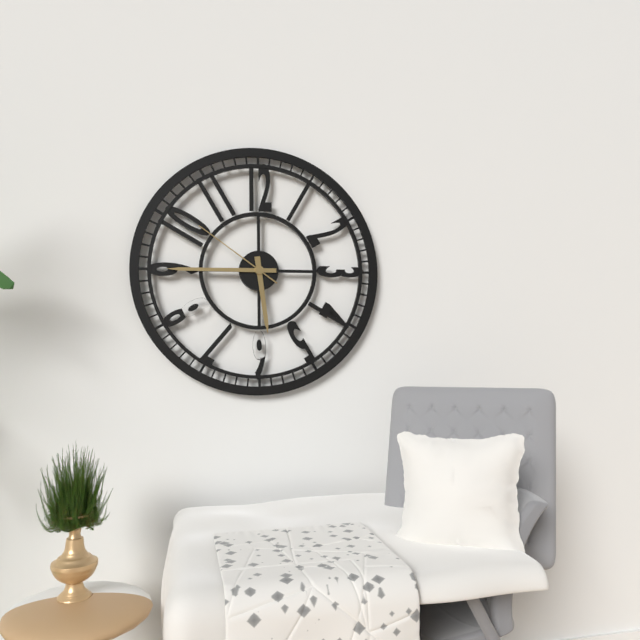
{"hour": 5, "minute": 45, "second": 51}
